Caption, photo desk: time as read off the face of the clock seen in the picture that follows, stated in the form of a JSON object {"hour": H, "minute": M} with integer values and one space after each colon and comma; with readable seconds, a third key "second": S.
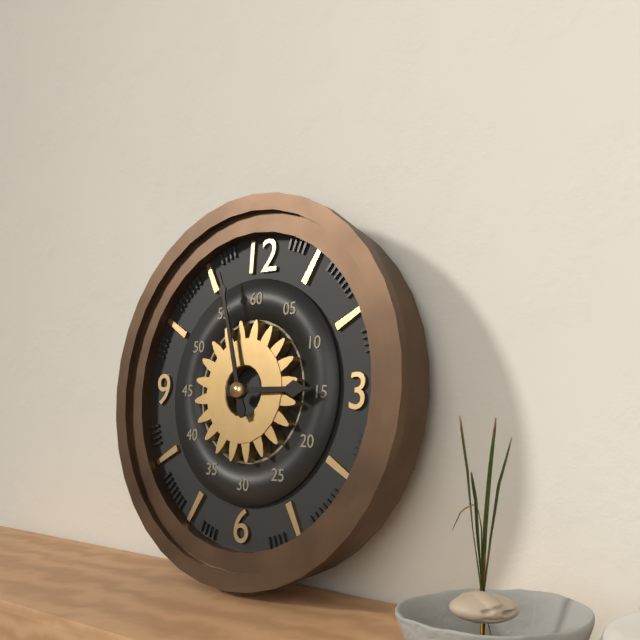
{"hour": 2, "minute": 57}
